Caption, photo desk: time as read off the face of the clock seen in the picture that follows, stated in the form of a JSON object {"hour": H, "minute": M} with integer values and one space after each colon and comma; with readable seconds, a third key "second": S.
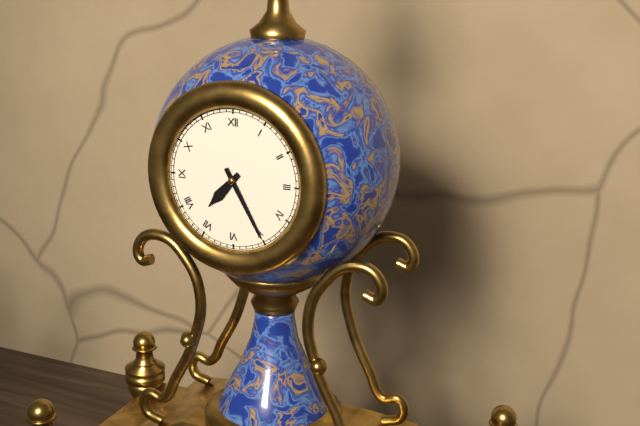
{"hour": 7, "minute": 25}
